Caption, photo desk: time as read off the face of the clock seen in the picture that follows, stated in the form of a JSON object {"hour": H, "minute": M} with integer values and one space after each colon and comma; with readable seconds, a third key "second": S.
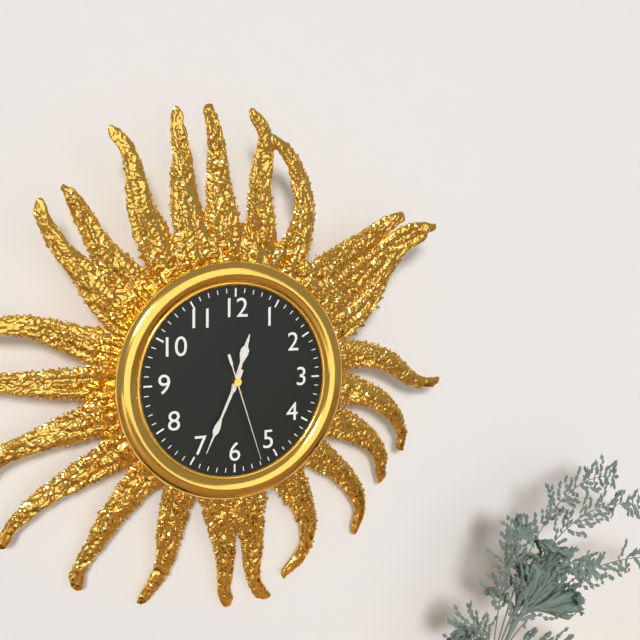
{"hour": 12, "minute": 34, "second": 27}
